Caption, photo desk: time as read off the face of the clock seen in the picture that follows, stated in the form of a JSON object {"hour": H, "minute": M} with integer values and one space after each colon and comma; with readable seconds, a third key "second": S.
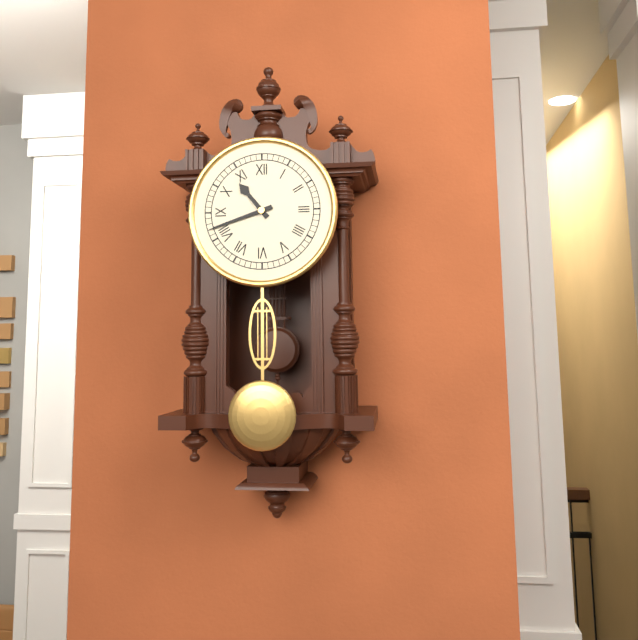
{"hour": 10, "minute": 42}
